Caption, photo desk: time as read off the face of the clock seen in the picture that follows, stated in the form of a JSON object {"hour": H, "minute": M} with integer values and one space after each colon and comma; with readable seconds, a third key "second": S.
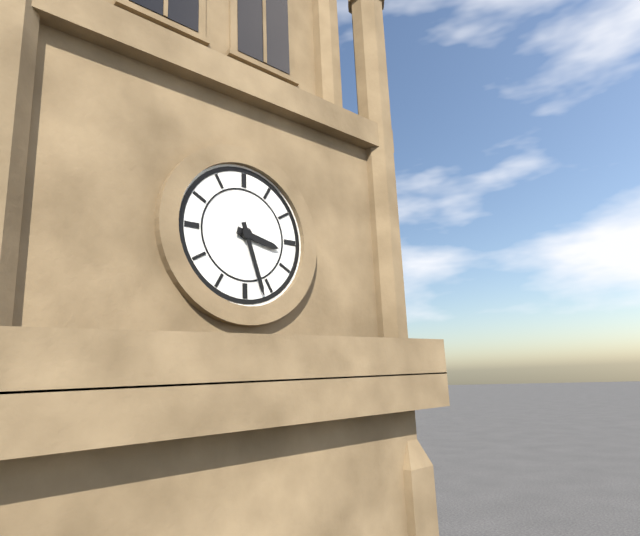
{"hour": 3, "minute": 27}
